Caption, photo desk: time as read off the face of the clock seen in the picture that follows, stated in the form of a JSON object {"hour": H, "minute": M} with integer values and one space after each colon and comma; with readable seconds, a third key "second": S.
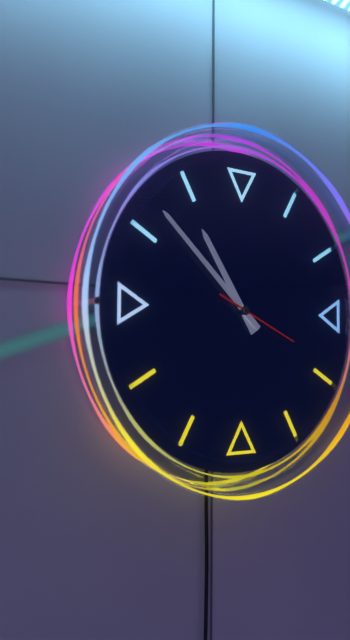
{"hour": 10, "minute": 52, "second": 19}
